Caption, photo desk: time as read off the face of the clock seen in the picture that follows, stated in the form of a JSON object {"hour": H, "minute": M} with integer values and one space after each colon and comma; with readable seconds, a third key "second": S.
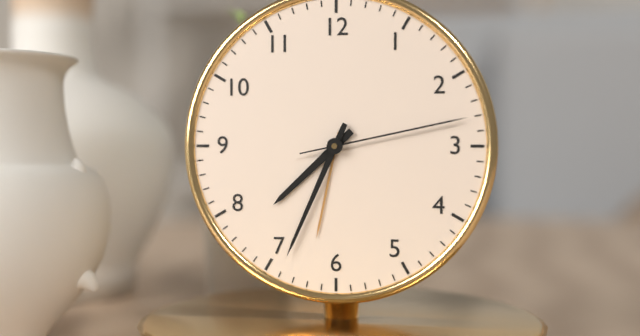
{"hour": 7, "minute": 34, "second": 13}
